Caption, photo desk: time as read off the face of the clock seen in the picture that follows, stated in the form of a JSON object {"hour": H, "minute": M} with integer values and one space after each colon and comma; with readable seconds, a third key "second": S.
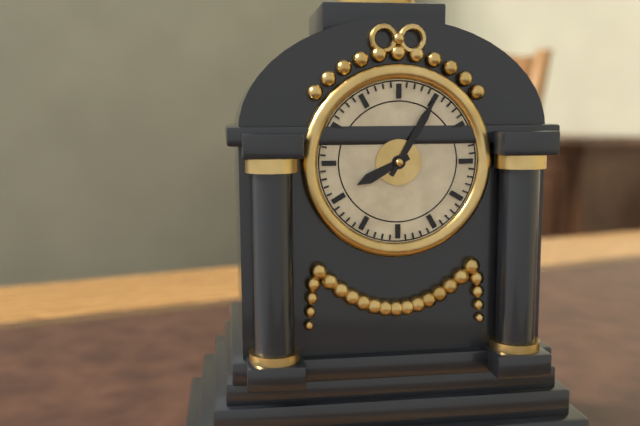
{"hour": 8, "minute": 5}
